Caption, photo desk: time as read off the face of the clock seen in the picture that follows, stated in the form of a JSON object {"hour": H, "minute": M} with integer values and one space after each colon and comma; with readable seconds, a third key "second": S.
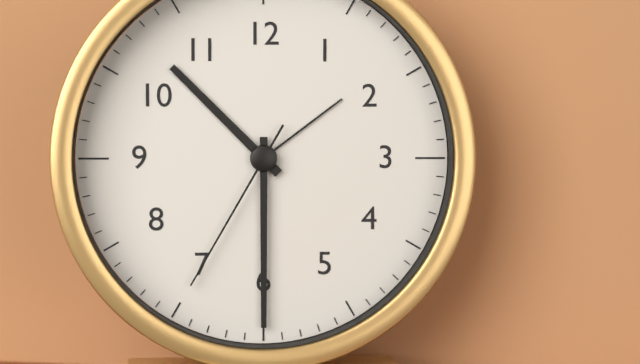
{"hour": 10, "minute": 30, "second": 35}
